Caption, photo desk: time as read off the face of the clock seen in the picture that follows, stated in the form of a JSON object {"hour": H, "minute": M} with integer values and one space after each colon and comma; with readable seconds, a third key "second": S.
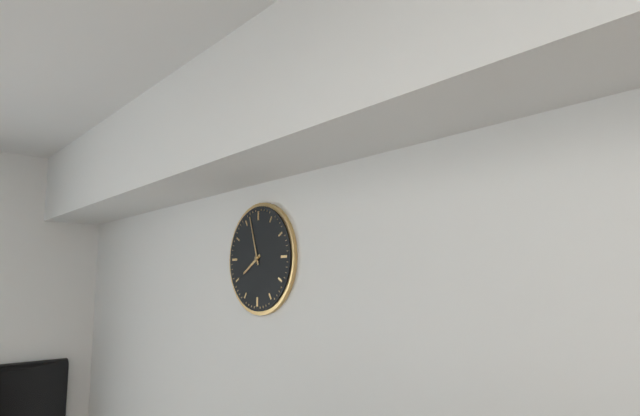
{"hour": 7, "minute": 57}
